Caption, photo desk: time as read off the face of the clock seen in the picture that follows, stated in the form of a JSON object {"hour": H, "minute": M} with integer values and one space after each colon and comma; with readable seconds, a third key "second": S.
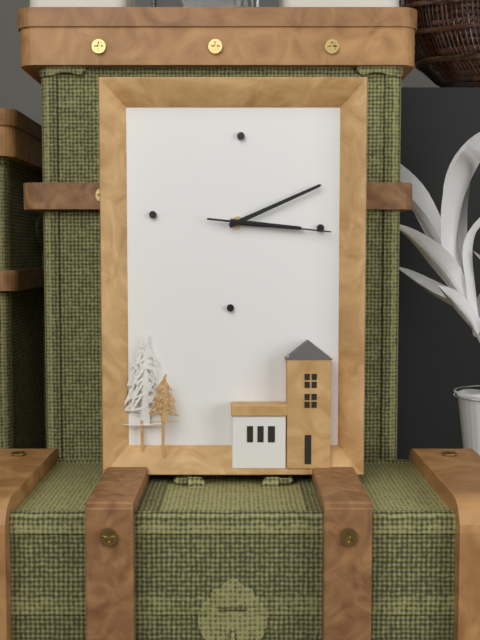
{"hour": 3, "minute": 11, "second": 16}
